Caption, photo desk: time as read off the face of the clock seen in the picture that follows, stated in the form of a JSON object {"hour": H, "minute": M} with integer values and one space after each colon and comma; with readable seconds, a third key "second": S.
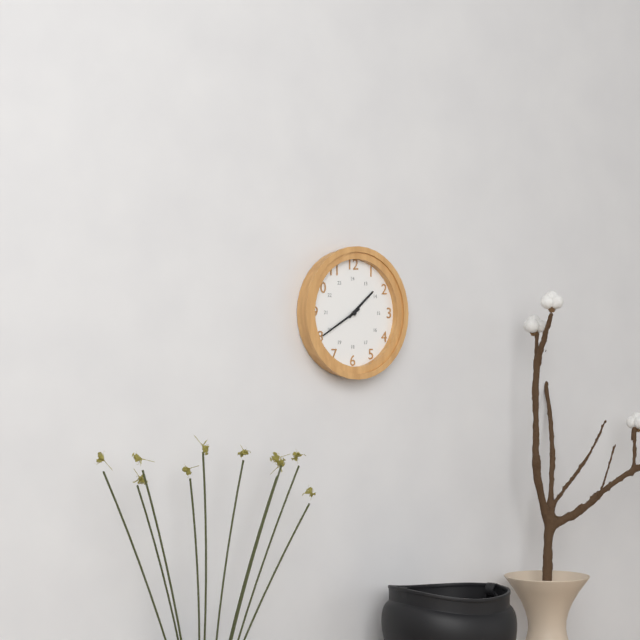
{"hour": 1, "minute": 40}
